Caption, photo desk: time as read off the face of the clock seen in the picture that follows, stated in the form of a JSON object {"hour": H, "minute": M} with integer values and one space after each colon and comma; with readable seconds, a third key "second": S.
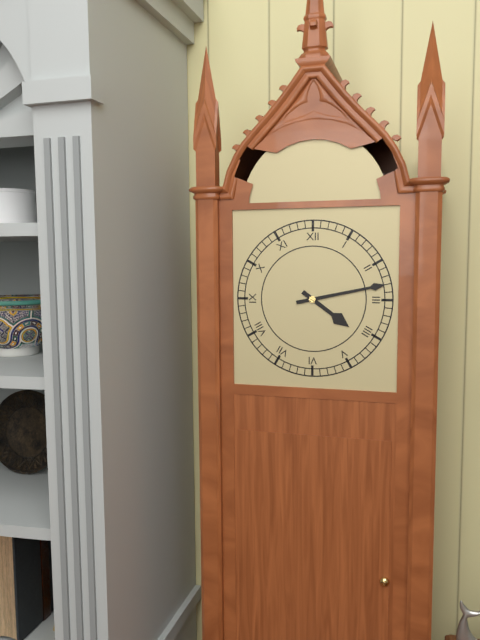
{"hour": 4, "minute": 13}
